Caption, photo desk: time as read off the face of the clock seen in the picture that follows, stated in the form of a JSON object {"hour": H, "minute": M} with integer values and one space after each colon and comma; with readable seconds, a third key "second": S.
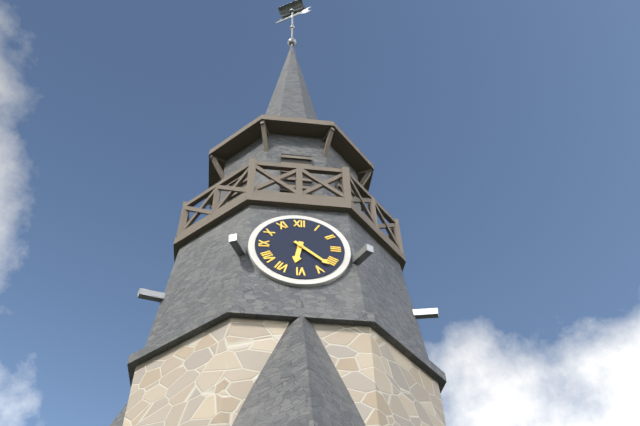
{"hour": 6, "minute": 22}
